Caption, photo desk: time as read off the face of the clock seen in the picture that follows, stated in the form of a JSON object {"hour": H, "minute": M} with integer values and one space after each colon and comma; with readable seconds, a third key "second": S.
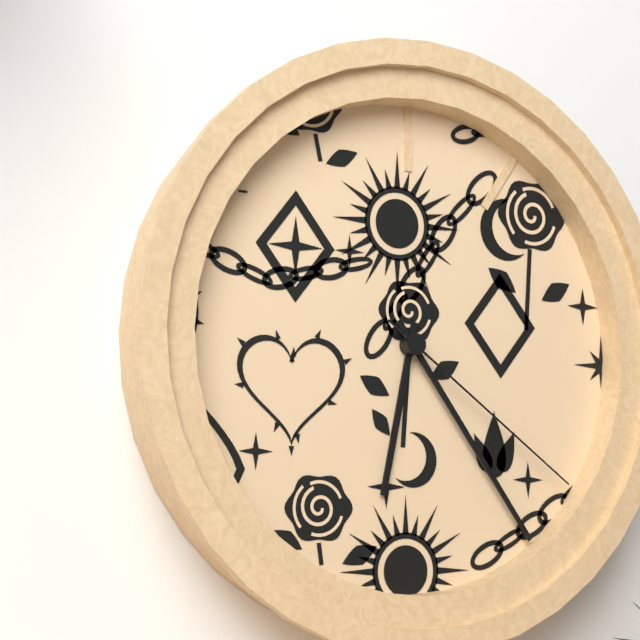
{"hour": 6, "minute": 24, "second": 21}
